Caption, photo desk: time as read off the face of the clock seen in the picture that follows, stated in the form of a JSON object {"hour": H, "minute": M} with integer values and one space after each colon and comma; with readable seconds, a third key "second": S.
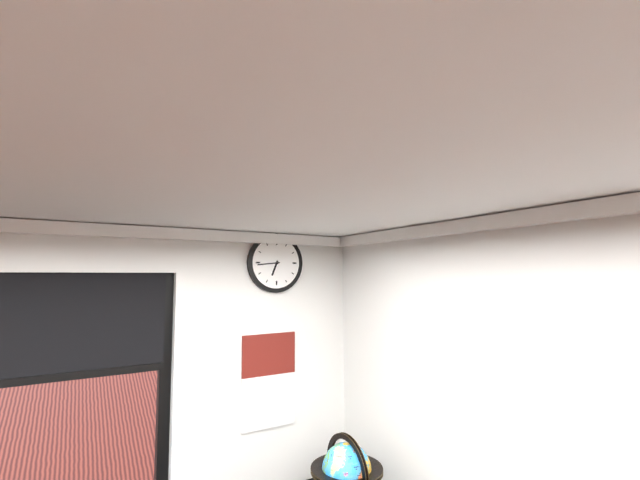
{"hour": 6, "minute": 44}
